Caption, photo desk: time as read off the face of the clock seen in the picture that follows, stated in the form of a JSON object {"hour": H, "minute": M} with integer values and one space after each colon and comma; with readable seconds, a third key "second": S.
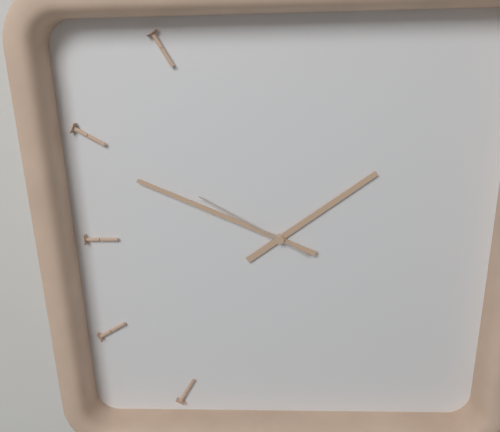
{"hour": 1, "minute": 49, "second": 50}
